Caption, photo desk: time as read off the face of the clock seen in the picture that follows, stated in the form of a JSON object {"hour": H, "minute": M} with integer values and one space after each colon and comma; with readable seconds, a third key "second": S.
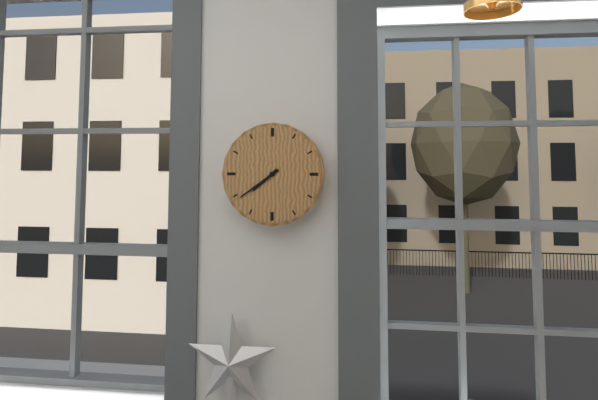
{"hour": 7, "minute": 39}
